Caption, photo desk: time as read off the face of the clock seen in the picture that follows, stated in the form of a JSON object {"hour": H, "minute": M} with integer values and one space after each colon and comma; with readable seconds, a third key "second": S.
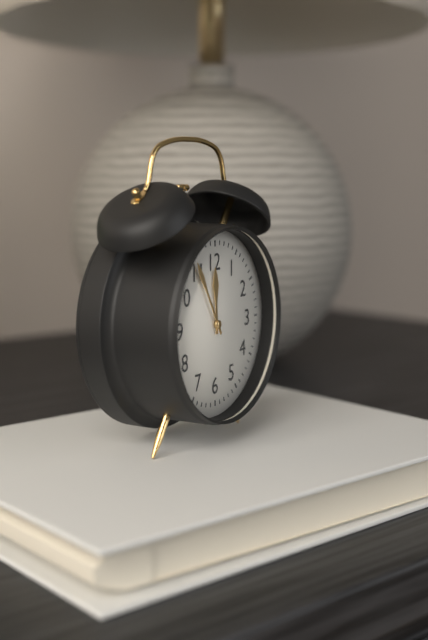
{"hour": 11, "minute": 55}
